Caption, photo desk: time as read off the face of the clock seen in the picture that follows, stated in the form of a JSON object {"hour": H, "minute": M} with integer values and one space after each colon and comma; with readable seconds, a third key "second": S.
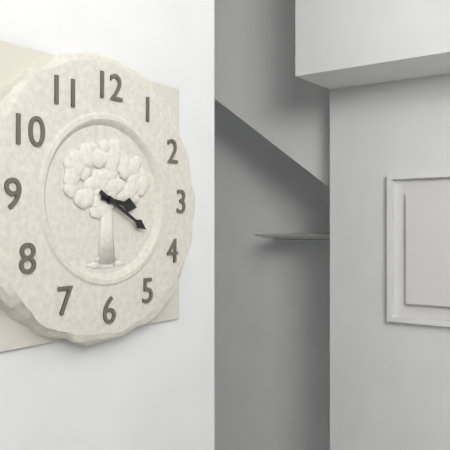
{"hour": 3, "minute": 20}
